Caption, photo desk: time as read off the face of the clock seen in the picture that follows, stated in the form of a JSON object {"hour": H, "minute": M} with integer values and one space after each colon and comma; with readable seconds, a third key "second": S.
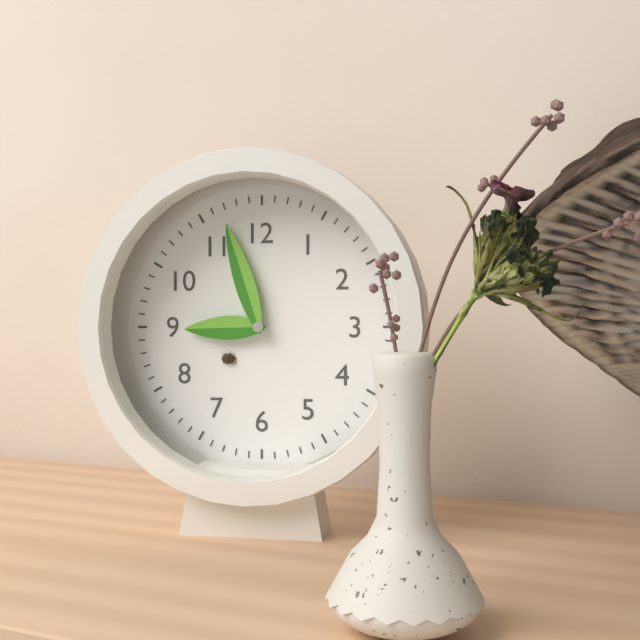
{"hour": 8, "minute": 57}
